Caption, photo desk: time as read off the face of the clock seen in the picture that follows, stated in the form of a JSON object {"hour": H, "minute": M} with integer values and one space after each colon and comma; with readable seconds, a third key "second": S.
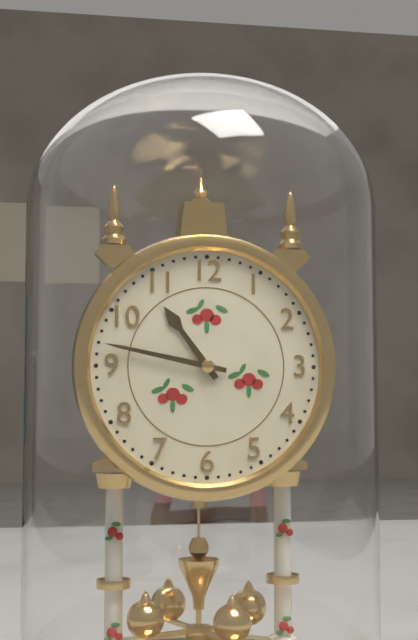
{"hour": 10, "minute": 47}
